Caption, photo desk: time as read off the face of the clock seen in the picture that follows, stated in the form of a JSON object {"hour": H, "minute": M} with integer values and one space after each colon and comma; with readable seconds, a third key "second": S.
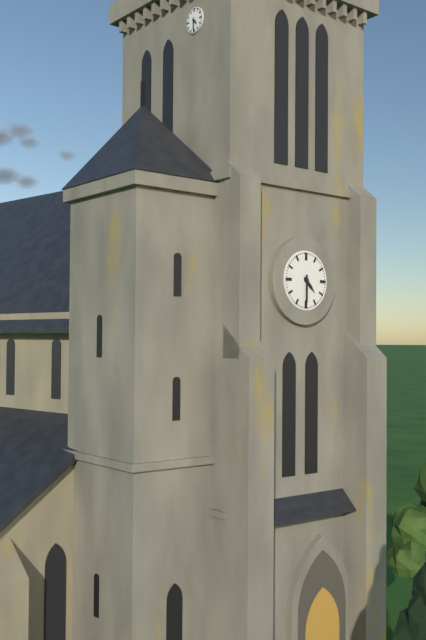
{"hour": 4, "minute": 30}
